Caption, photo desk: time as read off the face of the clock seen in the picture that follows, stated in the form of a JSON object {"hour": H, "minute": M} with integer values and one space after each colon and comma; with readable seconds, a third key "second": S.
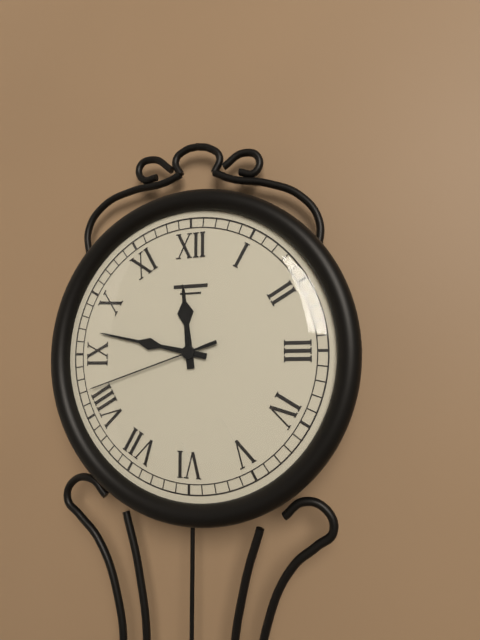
{"hour": 11, "minute": 47, "second": 42}
